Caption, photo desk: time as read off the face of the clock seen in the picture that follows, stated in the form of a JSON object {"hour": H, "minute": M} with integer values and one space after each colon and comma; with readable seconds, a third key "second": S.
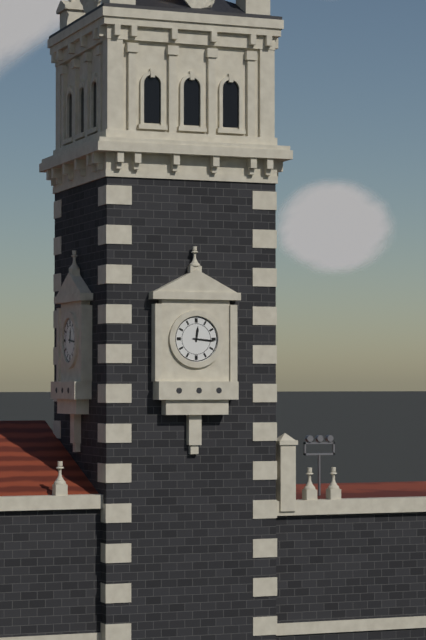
{"hour": 12, "minute": 16}
